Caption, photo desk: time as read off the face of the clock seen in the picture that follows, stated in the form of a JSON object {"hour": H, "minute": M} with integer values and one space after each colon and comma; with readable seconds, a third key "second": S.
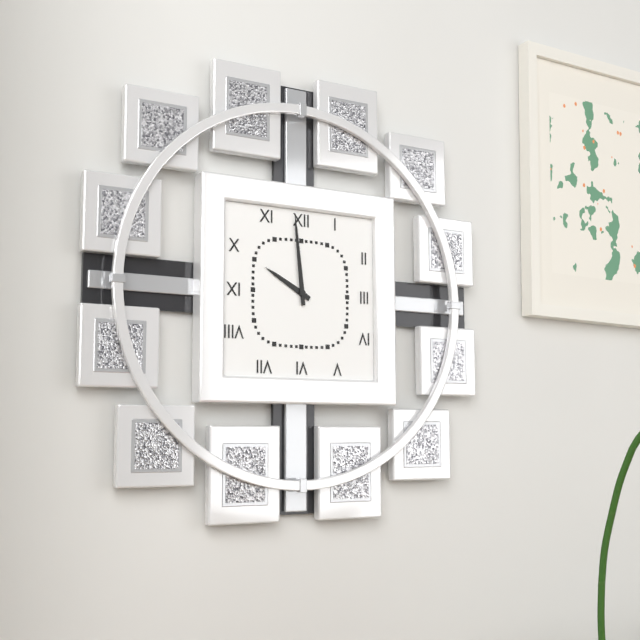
{"hour": 9, "minute": 59}
